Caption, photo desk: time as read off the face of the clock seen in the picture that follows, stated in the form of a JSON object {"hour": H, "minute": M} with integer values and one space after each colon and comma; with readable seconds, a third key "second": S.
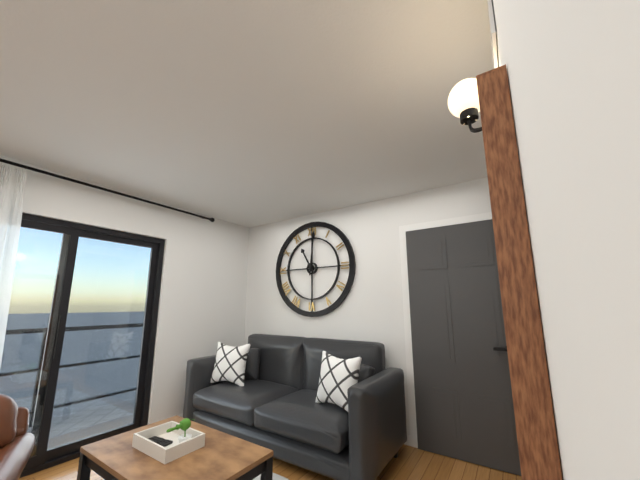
{"hour": 11, "minute": 1}
